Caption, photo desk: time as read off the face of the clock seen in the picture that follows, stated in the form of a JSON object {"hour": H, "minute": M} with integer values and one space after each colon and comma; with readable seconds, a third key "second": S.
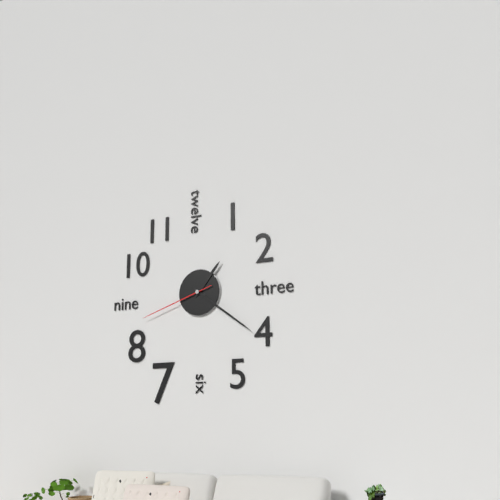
{"hour": 1, "minute": 21, "second": 42}
